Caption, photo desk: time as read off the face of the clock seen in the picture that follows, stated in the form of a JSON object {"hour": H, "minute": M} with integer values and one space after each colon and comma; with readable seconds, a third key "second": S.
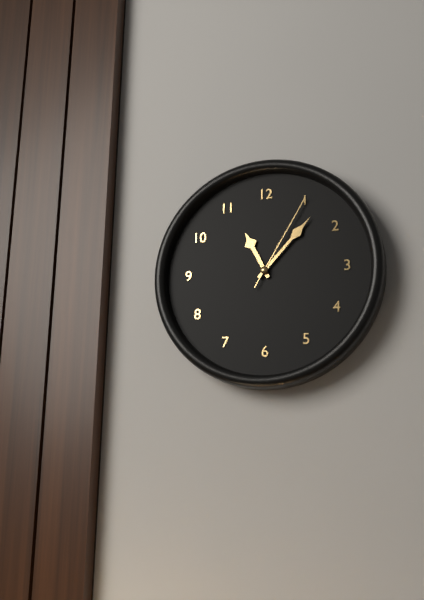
{"hour": 11, "minute": 7, "second": 5}
